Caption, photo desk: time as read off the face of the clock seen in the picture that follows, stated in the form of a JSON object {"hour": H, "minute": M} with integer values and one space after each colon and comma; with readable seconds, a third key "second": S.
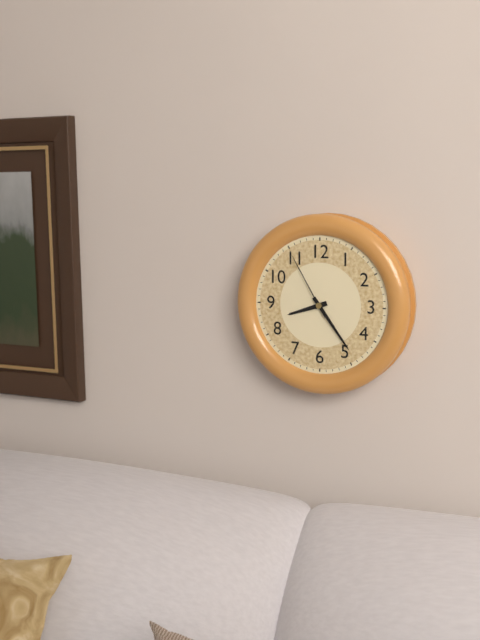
{"hour": 8, "minute": 24, "second": 55}
